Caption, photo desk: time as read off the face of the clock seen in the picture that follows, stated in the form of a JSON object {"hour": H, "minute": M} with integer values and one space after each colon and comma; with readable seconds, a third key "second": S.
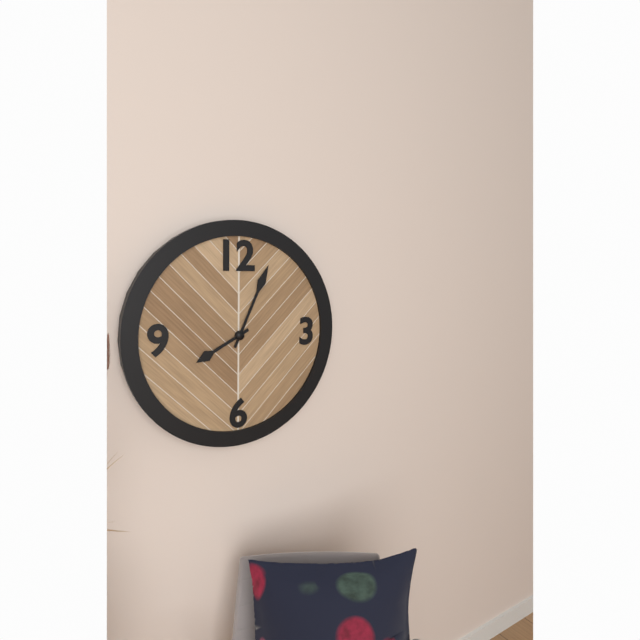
{"hour": 8, "minute": 4}
